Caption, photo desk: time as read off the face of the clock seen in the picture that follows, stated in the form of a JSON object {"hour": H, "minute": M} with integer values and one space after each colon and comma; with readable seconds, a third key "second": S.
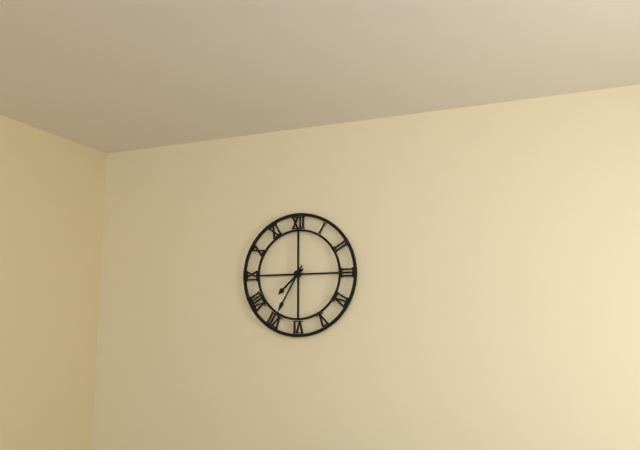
{"hour": 7, "minute": 35}
